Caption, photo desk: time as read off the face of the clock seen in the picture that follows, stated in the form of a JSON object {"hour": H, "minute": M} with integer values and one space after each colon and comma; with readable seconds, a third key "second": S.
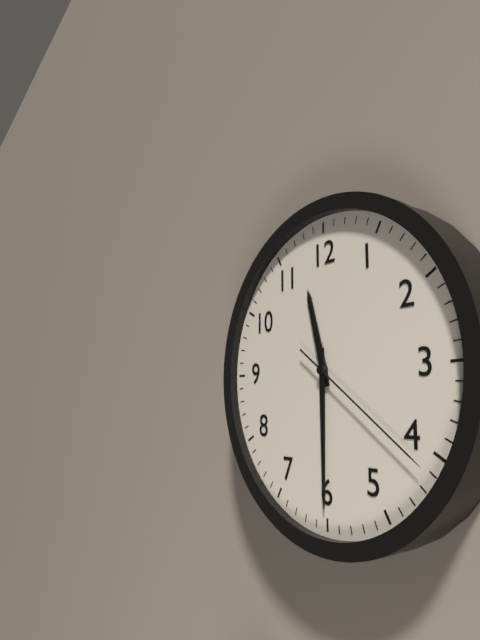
{"hour": 11, "minute": 30, "second": 21}
